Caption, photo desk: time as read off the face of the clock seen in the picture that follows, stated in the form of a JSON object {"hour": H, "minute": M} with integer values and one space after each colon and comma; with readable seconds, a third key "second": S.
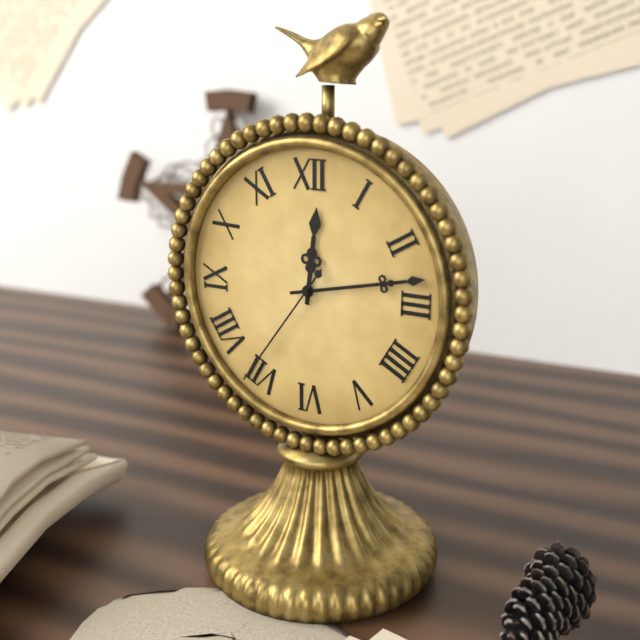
{"hour": 12, "minute": 13, "second": 36}
